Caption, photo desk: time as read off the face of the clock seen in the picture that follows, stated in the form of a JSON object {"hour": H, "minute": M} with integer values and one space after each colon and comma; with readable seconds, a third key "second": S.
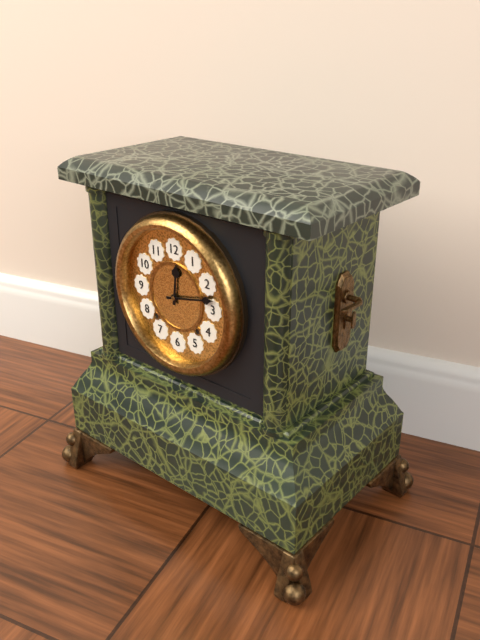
{"hour": 12, "minute": 13}
